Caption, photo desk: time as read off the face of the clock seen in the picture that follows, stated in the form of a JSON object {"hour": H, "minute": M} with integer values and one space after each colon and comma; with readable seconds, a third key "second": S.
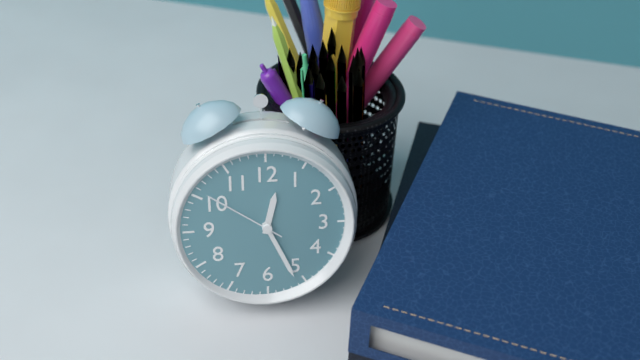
{"hour": 12, "minute": 26, "second": 51}
